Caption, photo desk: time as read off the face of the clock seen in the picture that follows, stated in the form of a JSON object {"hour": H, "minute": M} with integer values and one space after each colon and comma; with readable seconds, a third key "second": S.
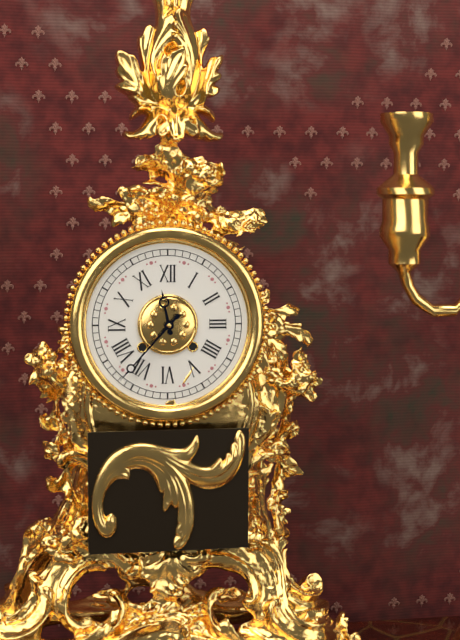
{"hour": 11, "minute": 37}
